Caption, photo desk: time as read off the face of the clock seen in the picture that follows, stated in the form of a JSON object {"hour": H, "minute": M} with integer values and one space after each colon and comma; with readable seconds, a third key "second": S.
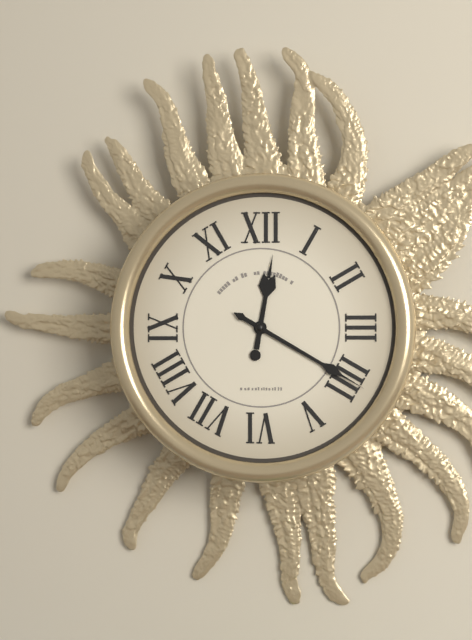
{"hour": 12, "minute": 20}
